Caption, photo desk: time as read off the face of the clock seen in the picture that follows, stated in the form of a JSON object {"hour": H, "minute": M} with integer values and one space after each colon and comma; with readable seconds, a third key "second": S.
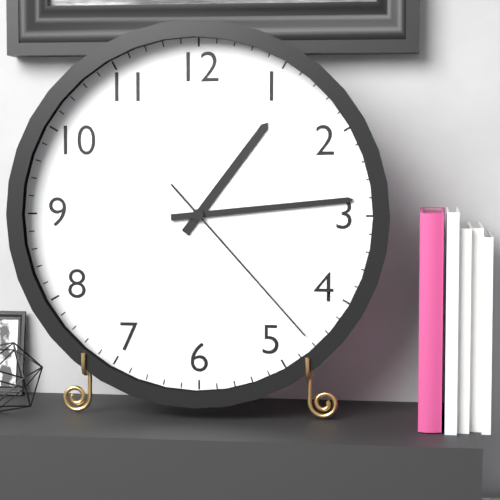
{"hour": 1, "minute": 14, "second": 23}
